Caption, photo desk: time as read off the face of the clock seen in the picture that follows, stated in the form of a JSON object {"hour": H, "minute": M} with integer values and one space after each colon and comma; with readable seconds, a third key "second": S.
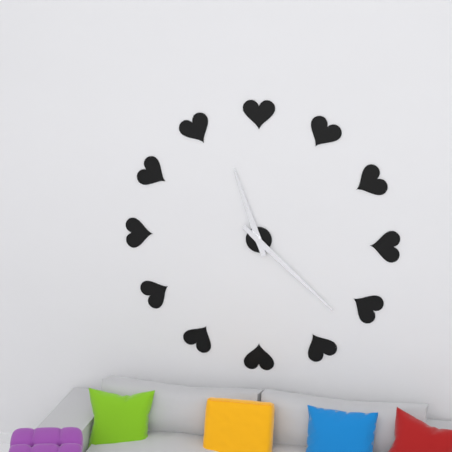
{"hour": 11, "minute": 22}
